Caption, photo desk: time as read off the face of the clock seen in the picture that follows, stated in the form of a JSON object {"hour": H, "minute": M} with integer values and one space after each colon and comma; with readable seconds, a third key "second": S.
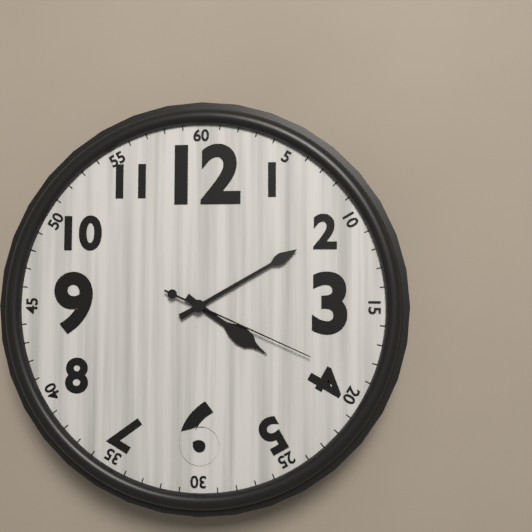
{"hour": 4, "minute": 10, "second": 19}
